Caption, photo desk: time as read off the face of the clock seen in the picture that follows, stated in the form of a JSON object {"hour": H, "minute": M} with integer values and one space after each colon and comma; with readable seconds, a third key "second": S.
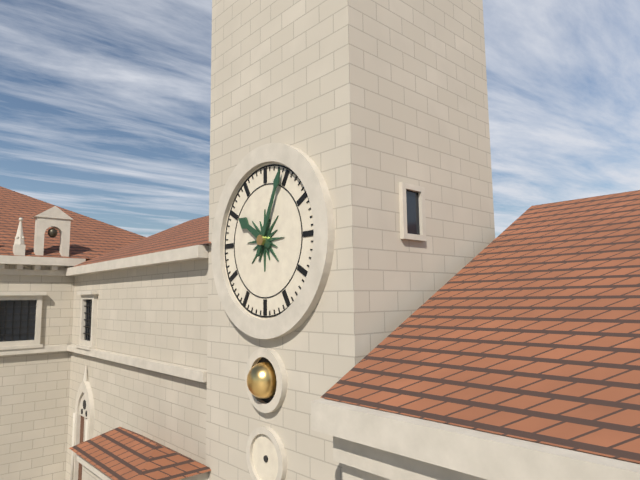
{"hour": 10, "minute": 4}
